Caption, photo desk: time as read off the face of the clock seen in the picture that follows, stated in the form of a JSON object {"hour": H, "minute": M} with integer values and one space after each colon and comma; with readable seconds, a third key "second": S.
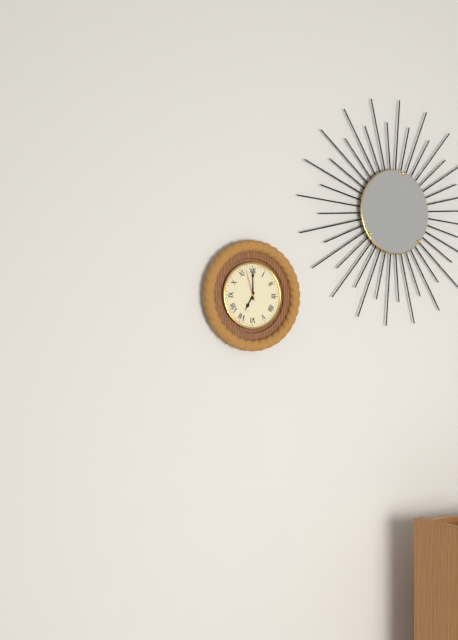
{"hour": 7, "minute": 0}
